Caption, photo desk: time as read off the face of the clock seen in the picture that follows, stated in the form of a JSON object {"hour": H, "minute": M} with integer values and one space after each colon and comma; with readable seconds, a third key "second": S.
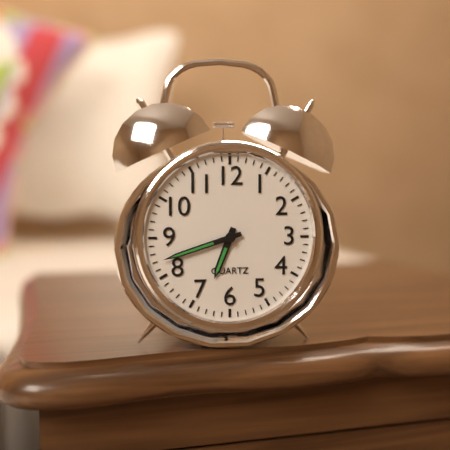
{"hour": 6, "minute": 42}
